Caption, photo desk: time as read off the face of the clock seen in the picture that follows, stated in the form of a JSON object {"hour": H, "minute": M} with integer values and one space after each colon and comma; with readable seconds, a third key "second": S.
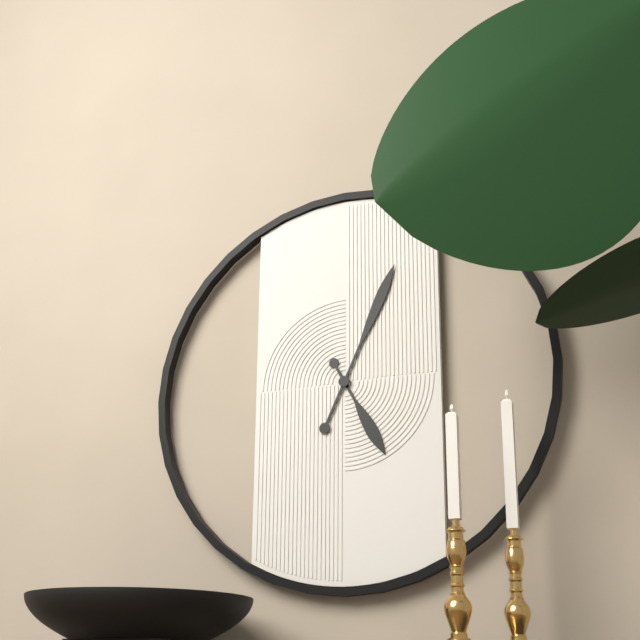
{"hour": 5, "minute": 4}
